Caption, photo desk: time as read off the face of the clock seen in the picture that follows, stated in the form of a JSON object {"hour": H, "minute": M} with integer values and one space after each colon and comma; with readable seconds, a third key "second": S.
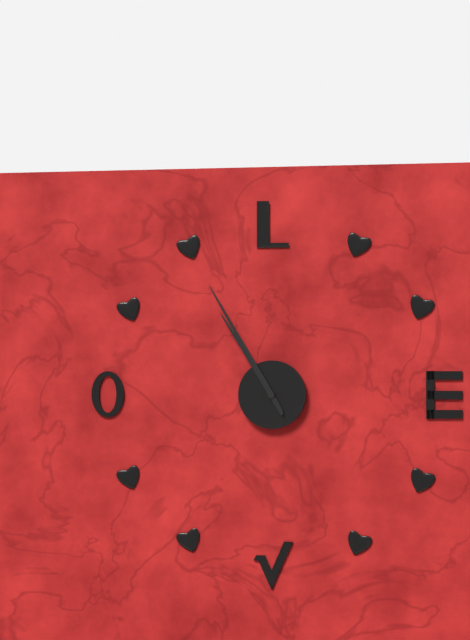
{"hour": 10, "minute": 55}
